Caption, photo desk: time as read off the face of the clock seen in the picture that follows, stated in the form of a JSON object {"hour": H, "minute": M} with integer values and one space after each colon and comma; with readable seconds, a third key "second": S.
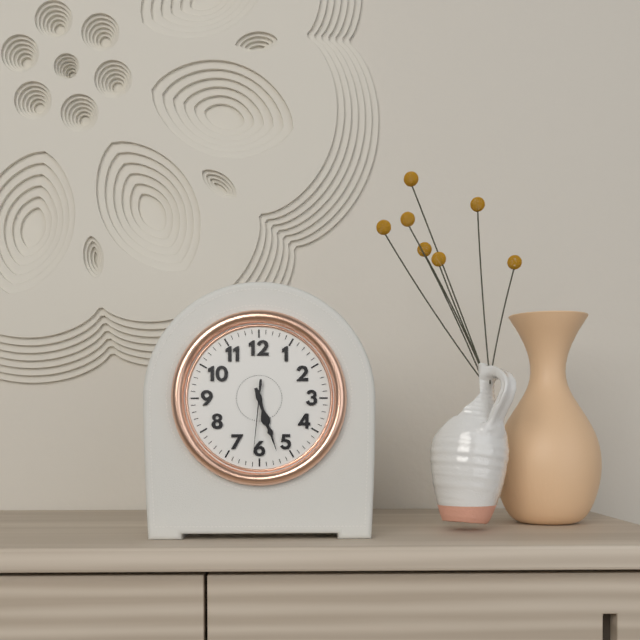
{"hour": 5, "minute": 27, "second": 31}
